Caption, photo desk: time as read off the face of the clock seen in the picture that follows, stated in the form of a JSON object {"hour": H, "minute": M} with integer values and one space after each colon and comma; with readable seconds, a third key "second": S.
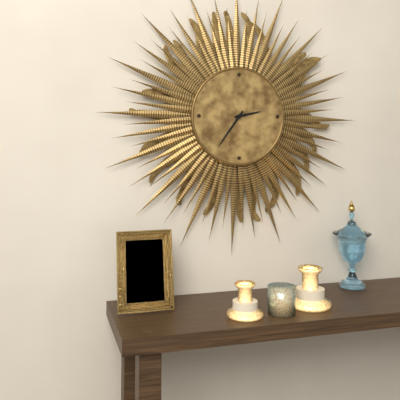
{"hour": 2, "minute": 36}
